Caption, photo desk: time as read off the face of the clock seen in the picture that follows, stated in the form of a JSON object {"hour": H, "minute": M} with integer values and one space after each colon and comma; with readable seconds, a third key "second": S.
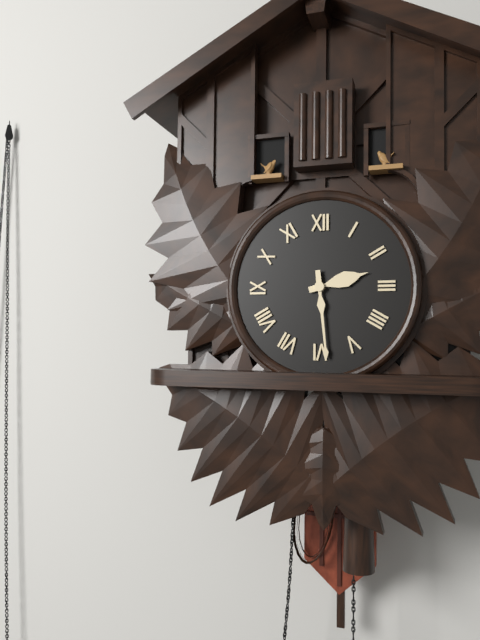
{"hour": 2, "minute": 29}
